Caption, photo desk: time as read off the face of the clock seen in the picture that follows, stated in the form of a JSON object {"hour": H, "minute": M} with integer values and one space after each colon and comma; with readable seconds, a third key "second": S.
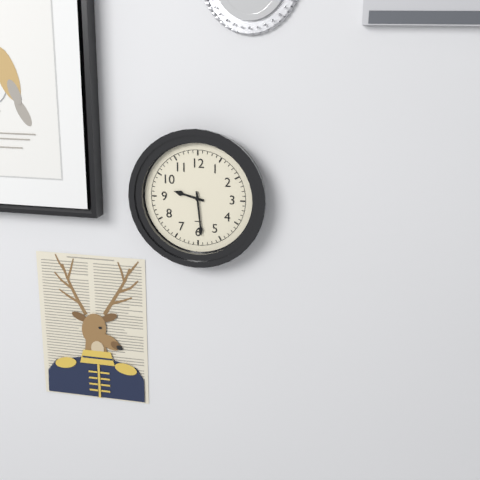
{"hour": 9, "minute": 29}
